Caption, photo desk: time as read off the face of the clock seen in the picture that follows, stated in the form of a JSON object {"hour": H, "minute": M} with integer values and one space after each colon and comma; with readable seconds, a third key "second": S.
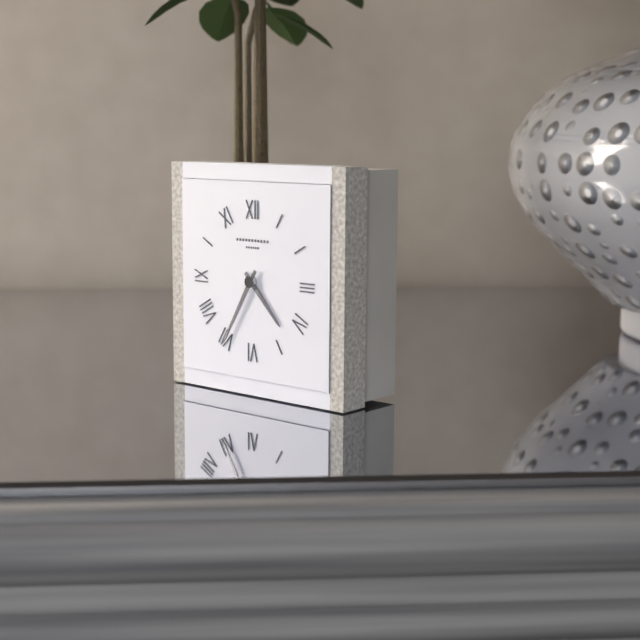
{"hour": 4, "minute": 35}
